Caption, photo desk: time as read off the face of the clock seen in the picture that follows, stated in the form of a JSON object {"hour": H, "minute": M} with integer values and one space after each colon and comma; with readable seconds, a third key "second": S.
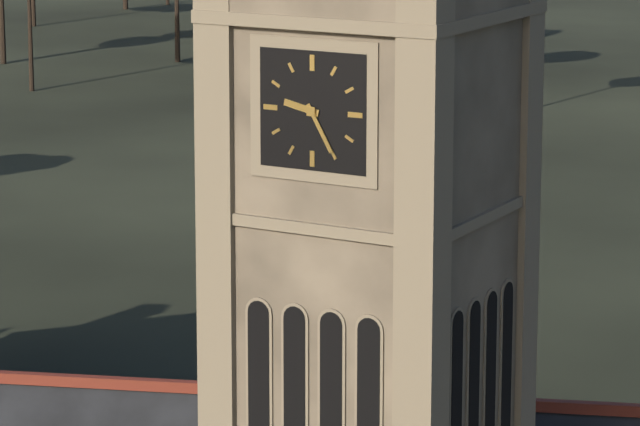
{"hour": 9, "minute": 25}
